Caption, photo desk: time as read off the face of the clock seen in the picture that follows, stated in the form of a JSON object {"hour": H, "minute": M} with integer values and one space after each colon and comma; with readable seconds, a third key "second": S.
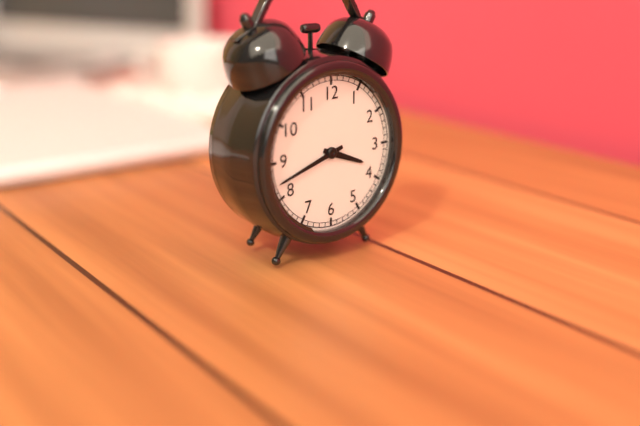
{"hour": 3, "minute": 42}
